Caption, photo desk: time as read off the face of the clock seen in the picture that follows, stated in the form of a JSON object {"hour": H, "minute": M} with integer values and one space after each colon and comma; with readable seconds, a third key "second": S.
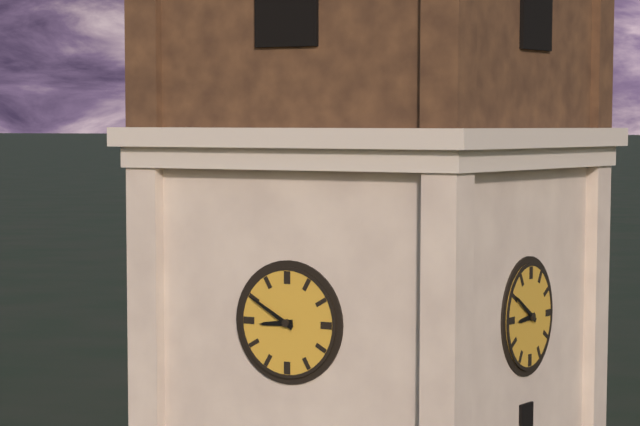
{"hour": 8, "minute": 50}
